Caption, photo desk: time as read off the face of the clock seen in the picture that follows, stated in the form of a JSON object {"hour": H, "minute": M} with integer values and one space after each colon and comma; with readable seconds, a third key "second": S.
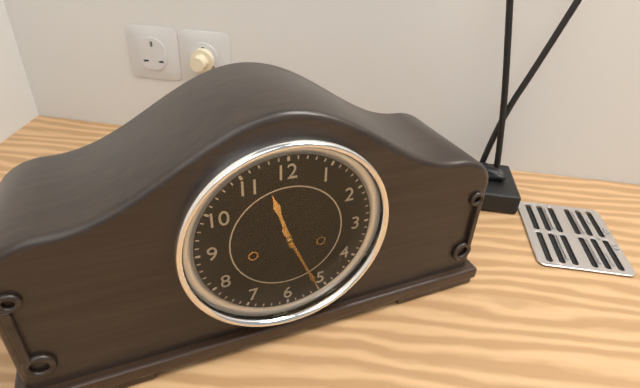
{"hour": 11, "minute": 26}
